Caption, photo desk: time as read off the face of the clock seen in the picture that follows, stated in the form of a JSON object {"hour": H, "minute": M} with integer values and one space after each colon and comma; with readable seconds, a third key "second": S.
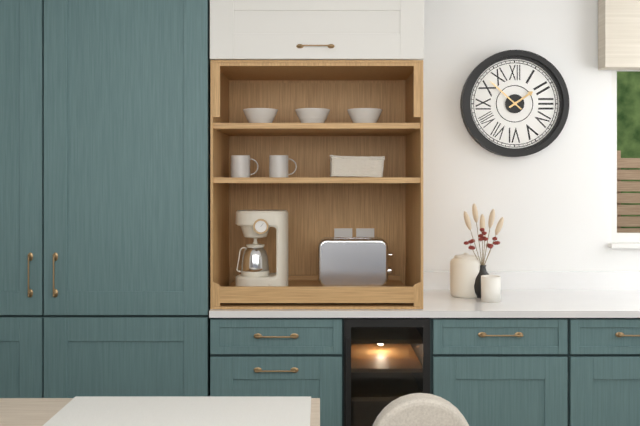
{"hour": 1, "minute": 52}
